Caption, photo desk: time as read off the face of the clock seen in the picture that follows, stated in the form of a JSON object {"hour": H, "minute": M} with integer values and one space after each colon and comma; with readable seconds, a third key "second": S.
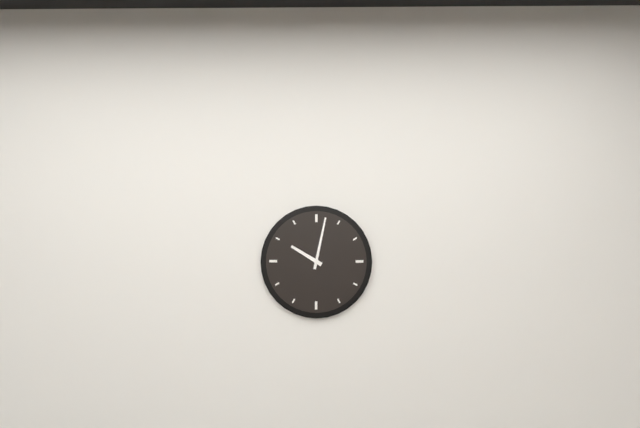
{"hour": 10, "minute": 2}
